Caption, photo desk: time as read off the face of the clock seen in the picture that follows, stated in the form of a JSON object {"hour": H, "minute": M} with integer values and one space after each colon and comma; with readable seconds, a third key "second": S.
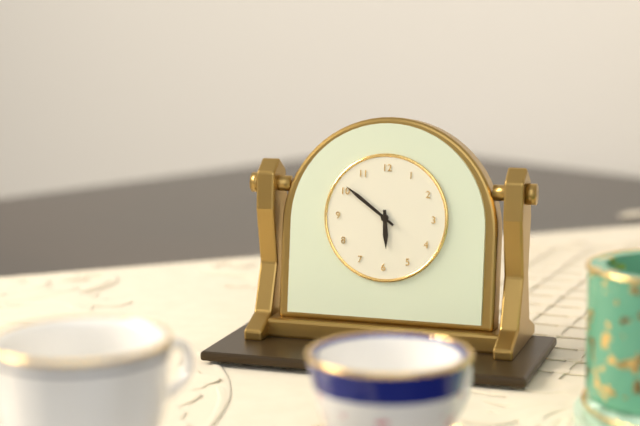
{"hour": 5, "minute": 51}
